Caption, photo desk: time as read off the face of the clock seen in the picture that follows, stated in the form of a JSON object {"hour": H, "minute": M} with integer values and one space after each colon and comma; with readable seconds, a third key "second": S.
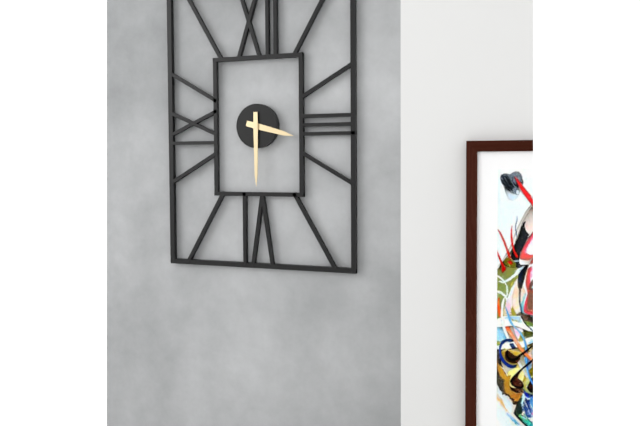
{"hour": 3, "minute": 30}
